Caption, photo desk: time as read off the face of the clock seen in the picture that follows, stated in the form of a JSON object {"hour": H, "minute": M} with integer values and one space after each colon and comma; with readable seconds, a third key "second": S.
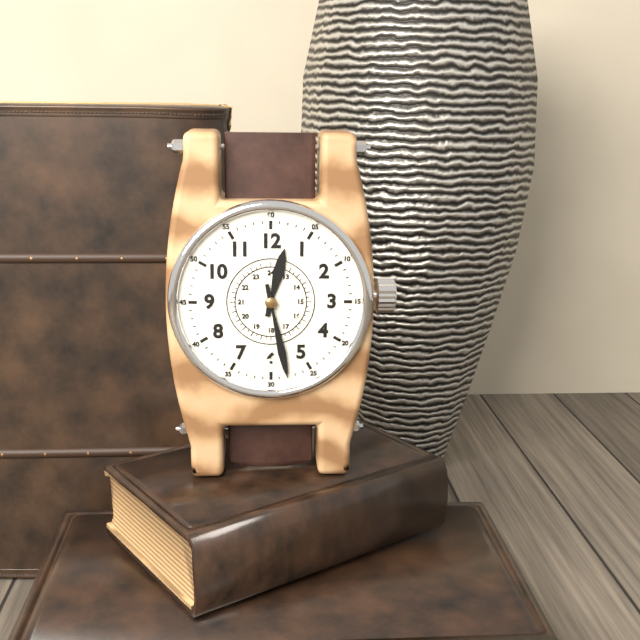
{"hour": 12, "minute": 28}
